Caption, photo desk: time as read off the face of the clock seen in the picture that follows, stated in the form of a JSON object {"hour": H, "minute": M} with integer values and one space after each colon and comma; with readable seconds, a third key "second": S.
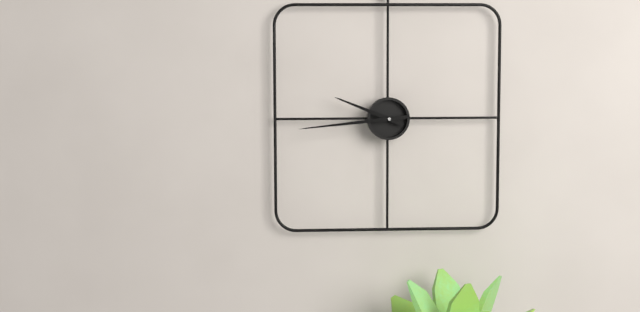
{"hour": 9, "minute": 44}
